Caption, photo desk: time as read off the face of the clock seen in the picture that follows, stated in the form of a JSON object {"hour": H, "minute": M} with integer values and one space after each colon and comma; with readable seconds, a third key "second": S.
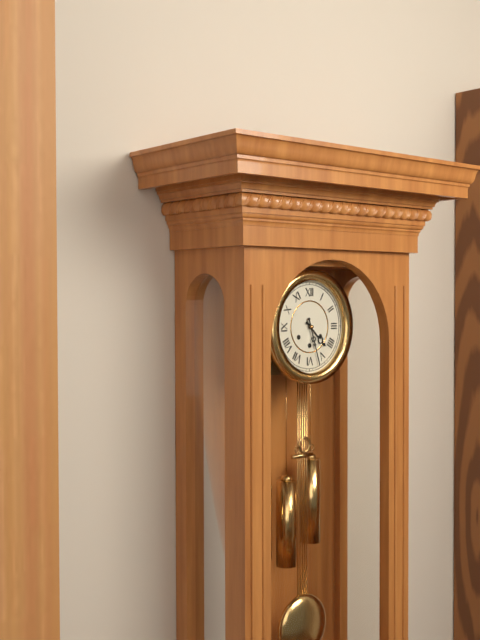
{"hour": 4, "minute": 27}
